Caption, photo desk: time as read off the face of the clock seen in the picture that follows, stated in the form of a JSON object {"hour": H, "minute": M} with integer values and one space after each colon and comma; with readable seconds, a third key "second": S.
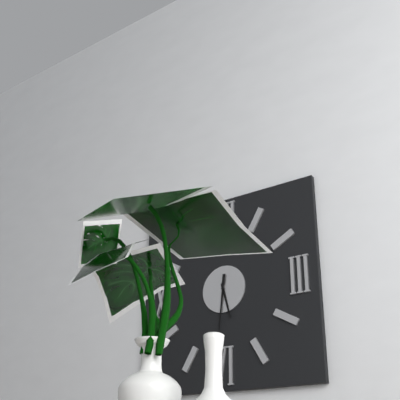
{"hour": 5, "minute": 31}
